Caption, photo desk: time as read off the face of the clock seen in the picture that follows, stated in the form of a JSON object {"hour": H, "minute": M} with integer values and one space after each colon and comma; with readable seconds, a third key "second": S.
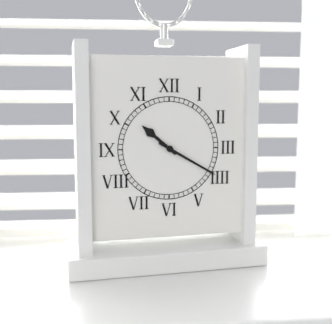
{"hour": 10, "minute": 20}
